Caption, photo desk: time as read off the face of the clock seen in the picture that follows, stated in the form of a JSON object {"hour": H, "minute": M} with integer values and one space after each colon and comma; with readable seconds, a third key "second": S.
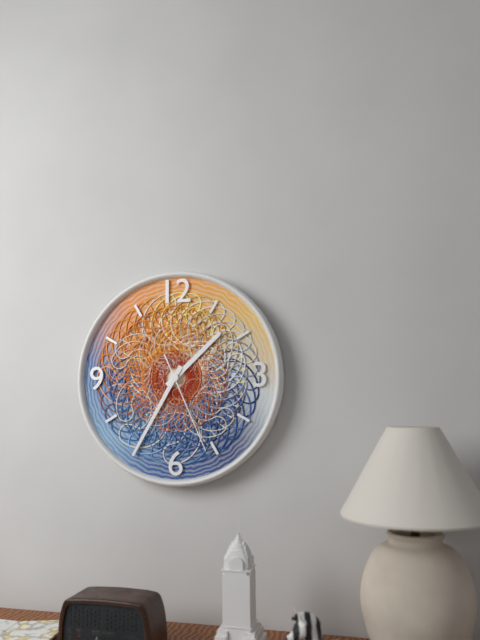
{"hour": 1, "minute": 35, "second": 26}
